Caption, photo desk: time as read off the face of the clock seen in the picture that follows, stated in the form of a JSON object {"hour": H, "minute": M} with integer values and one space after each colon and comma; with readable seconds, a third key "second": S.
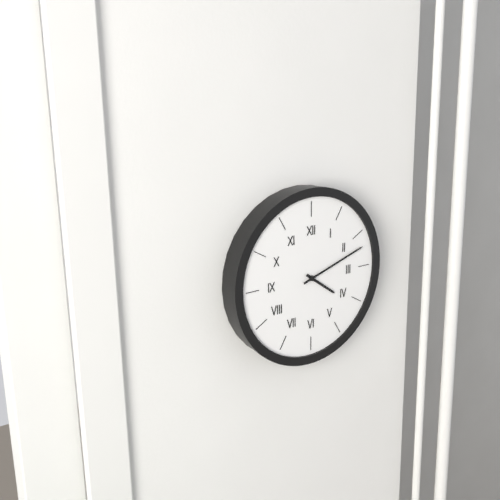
{"hour": 4, "minute": 12}
